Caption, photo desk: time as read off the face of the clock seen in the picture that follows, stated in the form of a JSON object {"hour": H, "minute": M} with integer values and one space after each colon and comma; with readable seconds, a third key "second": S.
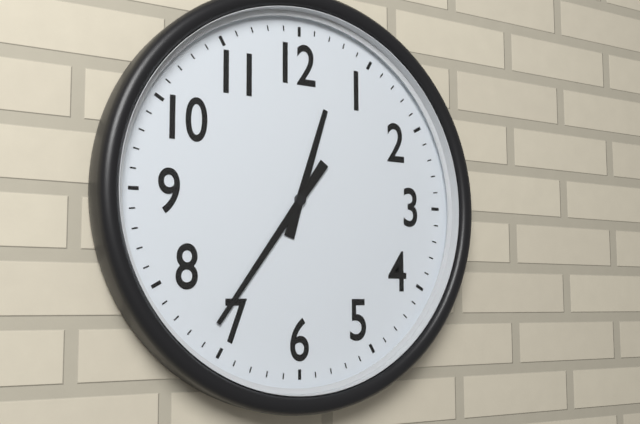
{"hour": 12, "minute": 36}
